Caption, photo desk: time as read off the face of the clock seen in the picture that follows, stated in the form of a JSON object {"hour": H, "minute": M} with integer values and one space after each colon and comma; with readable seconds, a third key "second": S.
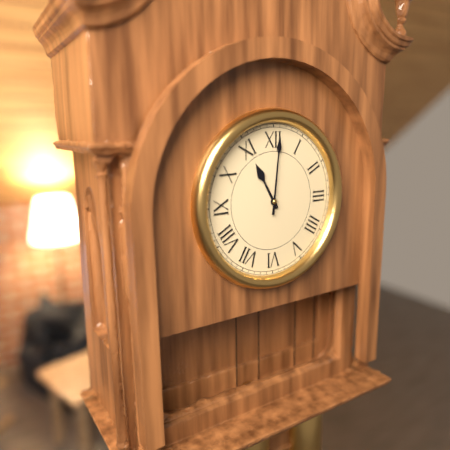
{"hour": 11, "minute": 1}
